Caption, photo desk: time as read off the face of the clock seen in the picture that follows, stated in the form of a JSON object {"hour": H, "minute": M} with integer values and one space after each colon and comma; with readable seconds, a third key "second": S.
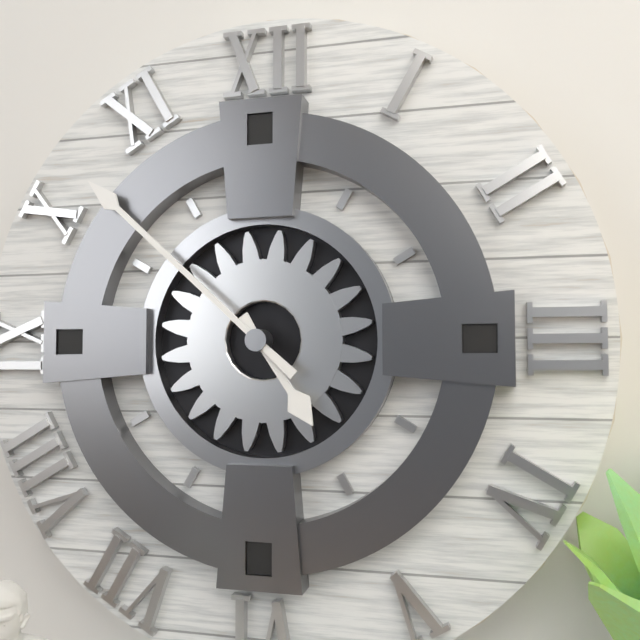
{"hour": 4, "minute": 52}
